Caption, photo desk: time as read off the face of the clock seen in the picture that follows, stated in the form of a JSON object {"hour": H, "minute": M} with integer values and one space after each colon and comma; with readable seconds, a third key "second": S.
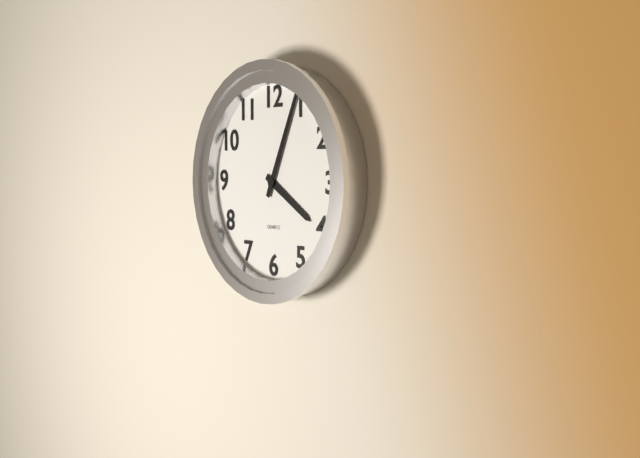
{"hour": 4, "minute": 4}
